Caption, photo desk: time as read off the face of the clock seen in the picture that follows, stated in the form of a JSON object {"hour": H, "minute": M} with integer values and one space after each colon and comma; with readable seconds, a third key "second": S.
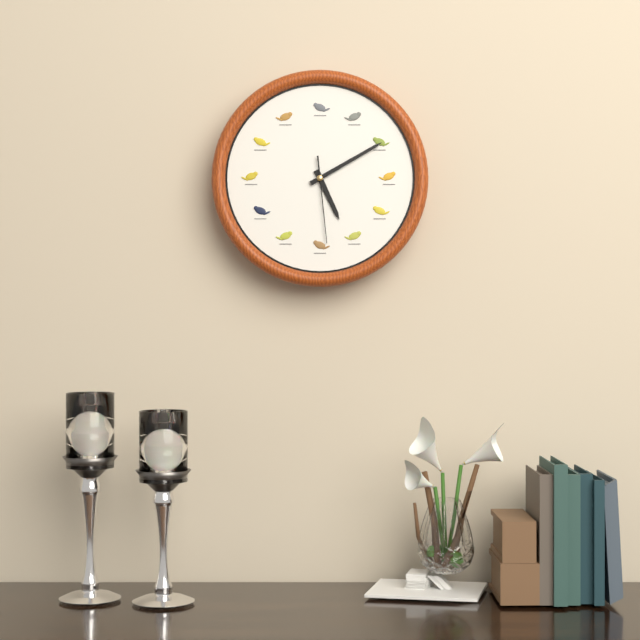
{"hour": 5, "minute": 10, "second": 29}
